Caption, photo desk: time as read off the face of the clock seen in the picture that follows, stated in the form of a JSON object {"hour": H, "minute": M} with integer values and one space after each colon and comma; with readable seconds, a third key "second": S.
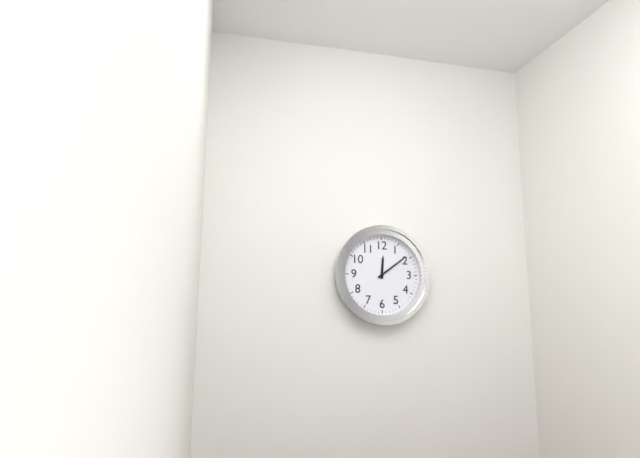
{"hour": 12, "minute": 9}
